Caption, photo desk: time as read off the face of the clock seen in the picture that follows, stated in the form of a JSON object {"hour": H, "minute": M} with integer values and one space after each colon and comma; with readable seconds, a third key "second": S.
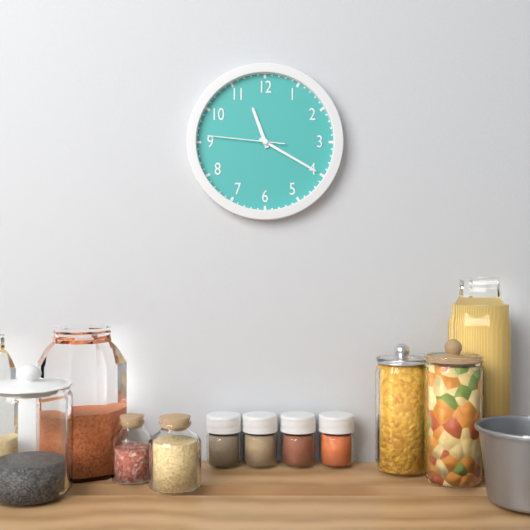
{"hour": 11, "minute": 20, "second": 46}
